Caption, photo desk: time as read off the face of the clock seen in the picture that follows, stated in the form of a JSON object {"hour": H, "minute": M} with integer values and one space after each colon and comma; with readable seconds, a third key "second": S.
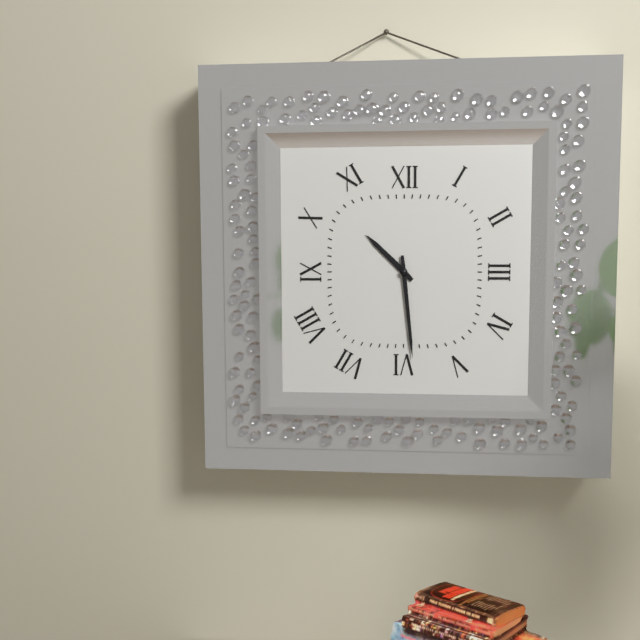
{"hour": 10, "minute": 29}
